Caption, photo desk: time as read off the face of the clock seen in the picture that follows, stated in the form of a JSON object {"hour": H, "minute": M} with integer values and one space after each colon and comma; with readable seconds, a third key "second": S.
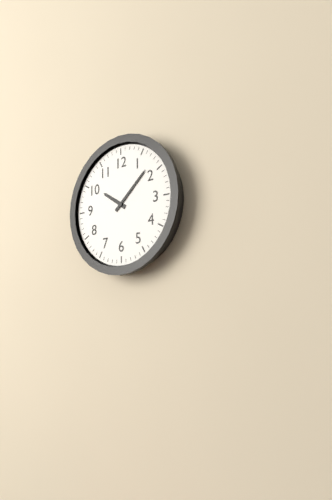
{"hour": 10, "minute": 8}
